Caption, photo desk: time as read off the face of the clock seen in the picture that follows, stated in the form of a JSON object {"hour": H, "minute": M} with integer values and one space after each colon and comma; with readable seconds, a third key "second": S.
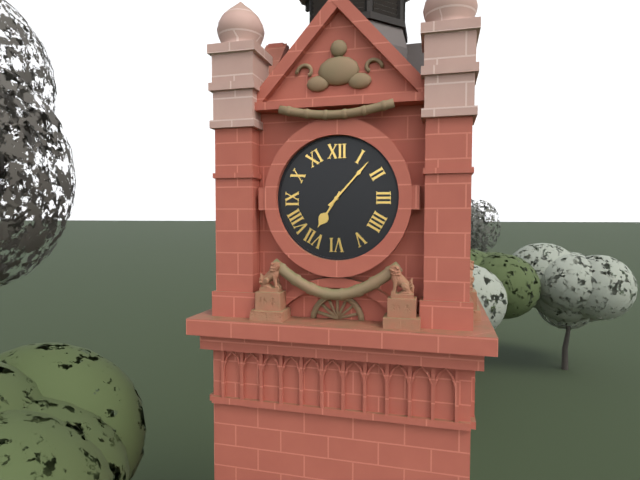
{"hour": 7, "minute": 7}
